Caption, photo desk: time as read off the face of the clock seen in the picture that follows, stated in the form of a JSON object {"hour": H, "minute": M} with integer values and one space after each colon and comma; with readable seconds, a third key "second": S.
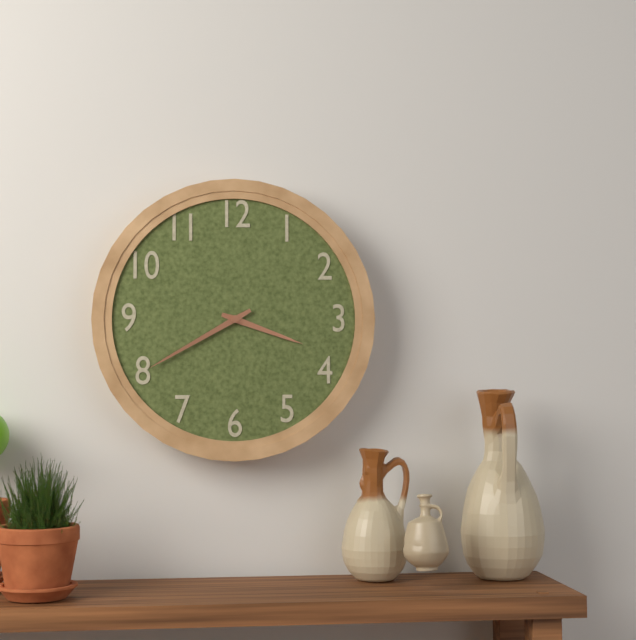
{"hour": 3, "minute": 40}
